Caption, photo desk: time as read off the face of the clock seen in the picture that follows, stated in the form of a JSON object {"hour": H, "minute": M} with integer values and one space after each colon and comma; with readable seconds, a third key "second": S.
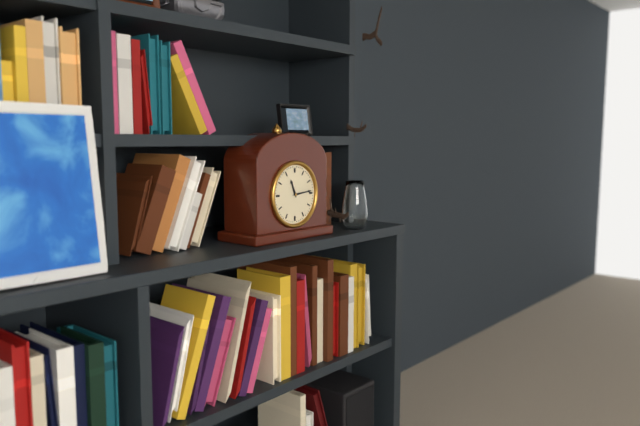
{"hour": 11, "minute": 14}
